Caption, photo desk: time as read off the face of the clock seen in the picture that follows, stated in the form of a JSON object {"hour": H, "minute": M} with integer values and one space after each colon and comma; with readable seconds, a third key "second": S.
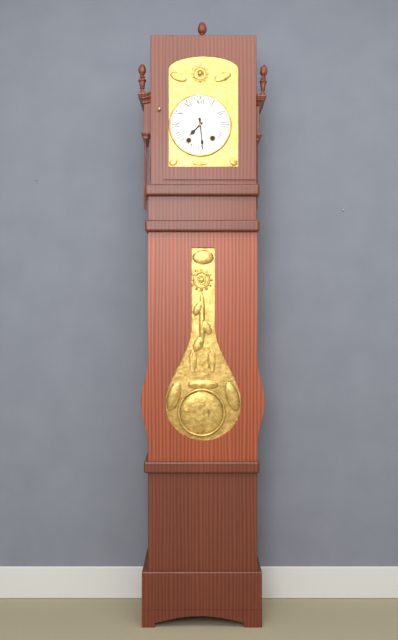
{"hour": 7, "minute": 29}
